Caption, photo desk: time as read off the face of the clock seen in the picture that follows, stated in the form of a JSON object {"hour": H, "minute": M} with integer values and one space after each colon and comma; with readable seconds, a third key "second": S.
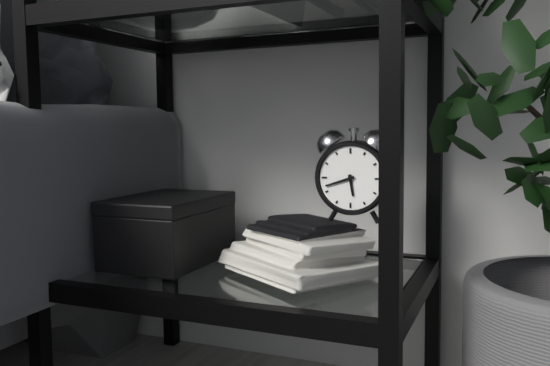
{"hour": 5, "minute": 42}
